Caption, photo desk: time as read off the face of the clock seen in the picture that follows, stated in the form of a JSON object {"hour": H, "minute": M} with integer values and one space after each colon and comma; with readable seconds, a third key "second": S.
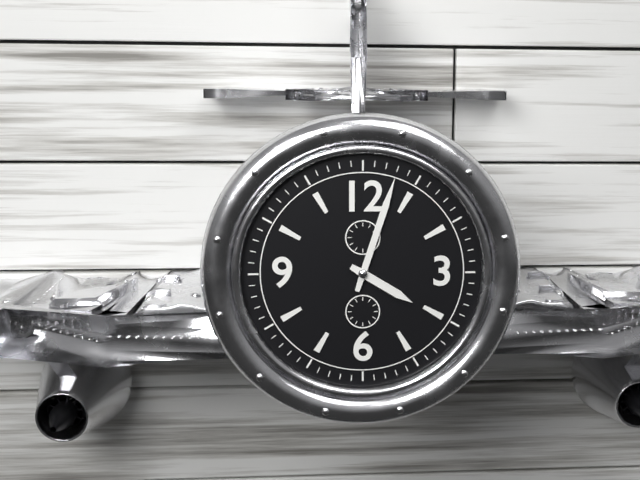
{"hour": 4, "minute": 3}
